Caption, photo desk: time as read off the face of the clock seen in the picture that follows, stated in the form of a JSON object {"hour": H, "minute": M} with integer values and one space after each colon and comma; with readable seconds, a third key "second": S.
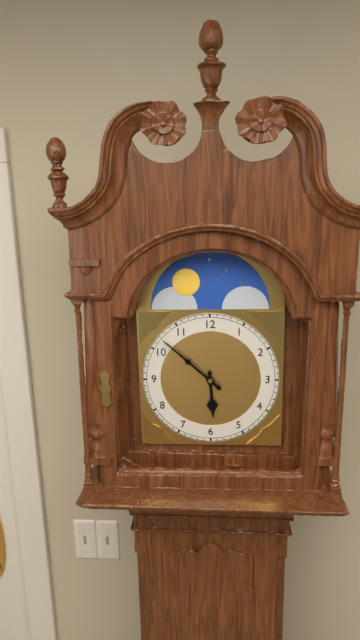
{"hour": 5, "minute": 52}
